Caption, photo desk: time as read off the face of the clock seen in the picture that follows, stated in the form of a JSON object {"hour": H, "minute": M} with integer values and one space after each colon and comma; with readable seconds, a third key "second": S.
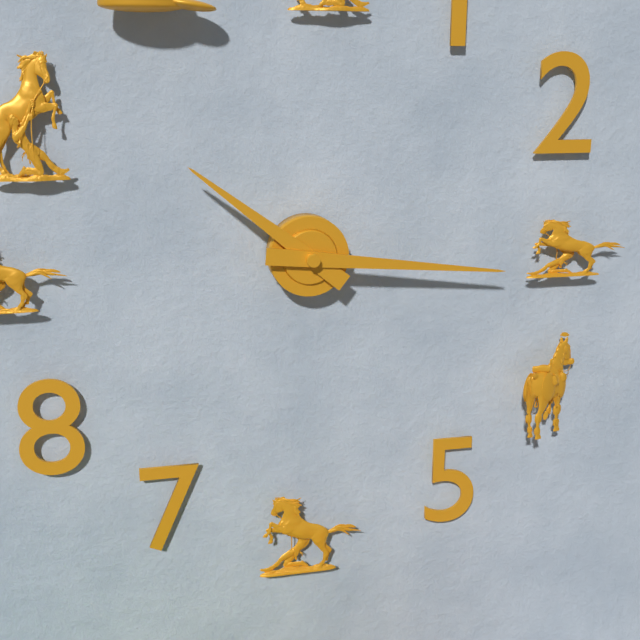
{"hour": 10, "minute": 16}
